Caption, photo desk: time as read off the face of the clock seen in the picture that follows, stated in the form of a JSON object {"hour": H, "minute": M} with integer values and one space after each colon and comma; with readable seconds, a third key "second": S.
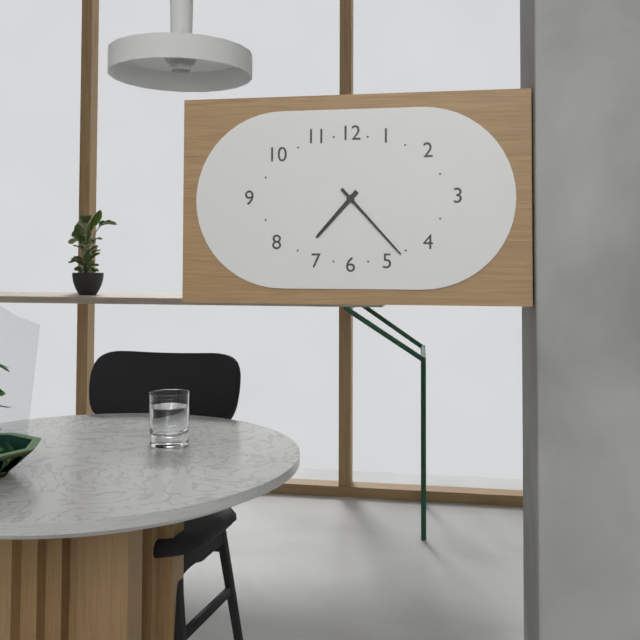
{"hour": 7, "minute": 23}
